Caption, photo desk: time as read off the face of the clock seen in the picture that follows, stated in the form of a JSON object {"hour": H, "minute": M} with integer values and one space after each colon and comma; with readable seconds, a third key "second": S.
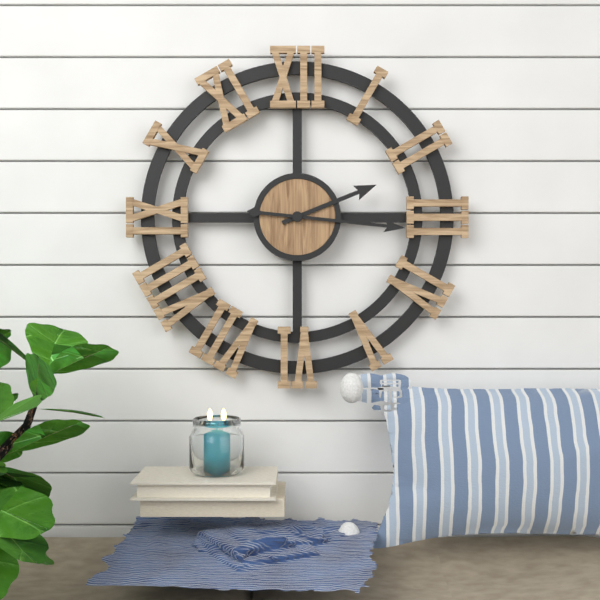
{"hour": 2, "minute": 16}
